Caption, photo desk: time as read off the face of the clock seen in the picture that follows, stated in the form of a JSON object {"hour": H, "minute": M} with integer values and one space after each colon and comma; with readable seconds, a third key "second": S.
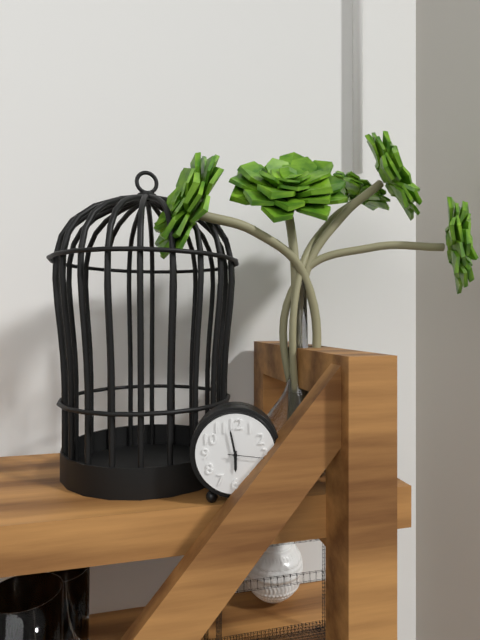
{"hour": 5, "minute": 58}
